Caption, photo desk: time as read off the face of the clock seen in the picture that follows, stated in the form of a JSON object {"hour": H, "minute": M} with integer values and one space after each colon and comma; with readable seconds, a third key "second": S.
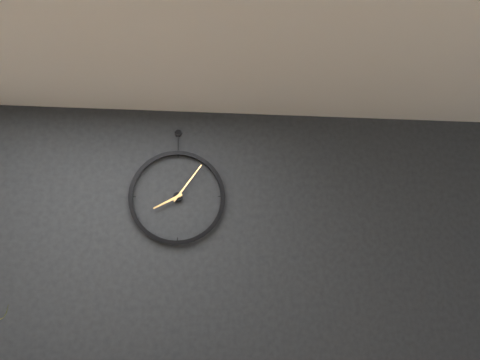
{"hour": 8, "minute": 6}
